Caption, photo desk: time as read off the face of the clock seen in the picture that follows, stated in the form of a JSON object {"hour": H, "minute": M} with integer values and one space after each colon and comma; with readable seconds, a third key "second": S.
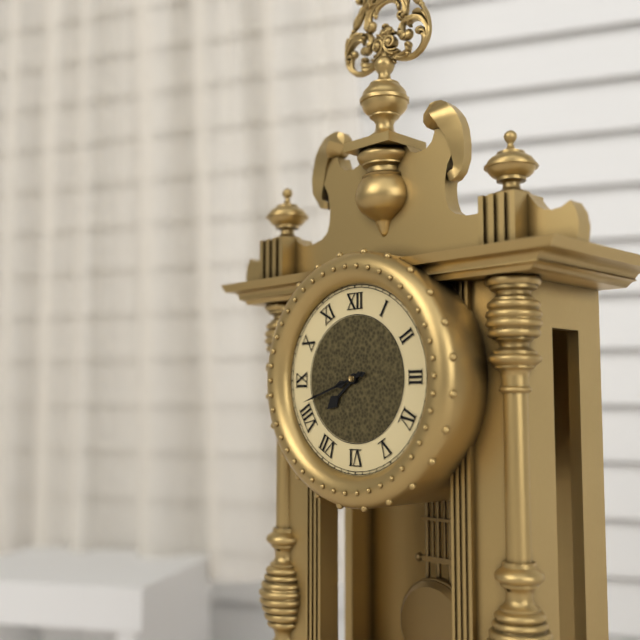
{"hour": 7, "minute": 42}
